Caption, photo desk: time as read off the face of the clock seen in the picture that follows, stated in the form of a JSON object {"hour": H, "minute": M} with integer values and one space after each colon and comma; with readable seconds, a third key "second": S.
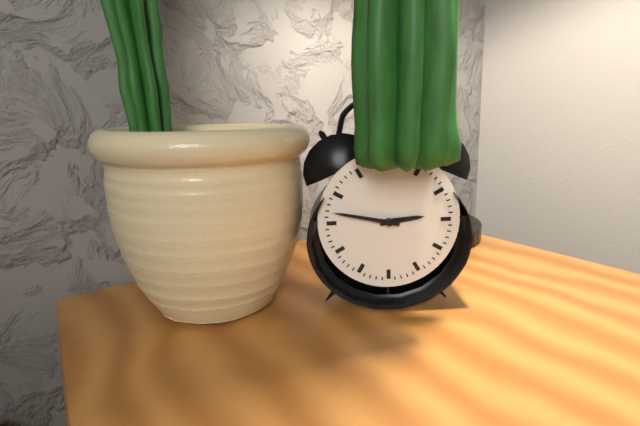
{"hour": 2, "minute": 47}
